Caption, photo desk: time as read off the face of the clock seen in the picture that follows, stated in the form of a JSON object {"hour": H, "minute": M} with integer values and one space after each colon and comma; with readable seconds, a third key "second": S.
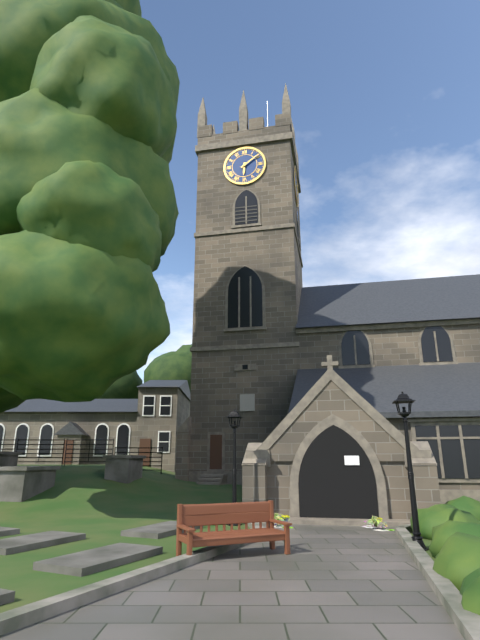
{"hour": 6, "minute": 9}
